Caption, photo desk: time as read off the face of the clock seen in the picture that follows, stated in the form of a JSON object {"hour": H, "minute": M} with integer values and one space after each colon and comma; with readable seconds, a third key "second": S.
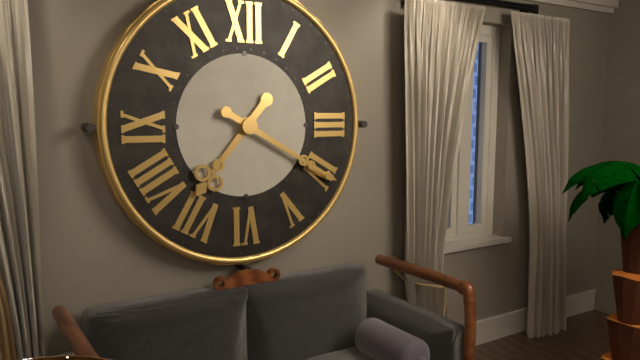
{"hour": 7, "minute": 20}
